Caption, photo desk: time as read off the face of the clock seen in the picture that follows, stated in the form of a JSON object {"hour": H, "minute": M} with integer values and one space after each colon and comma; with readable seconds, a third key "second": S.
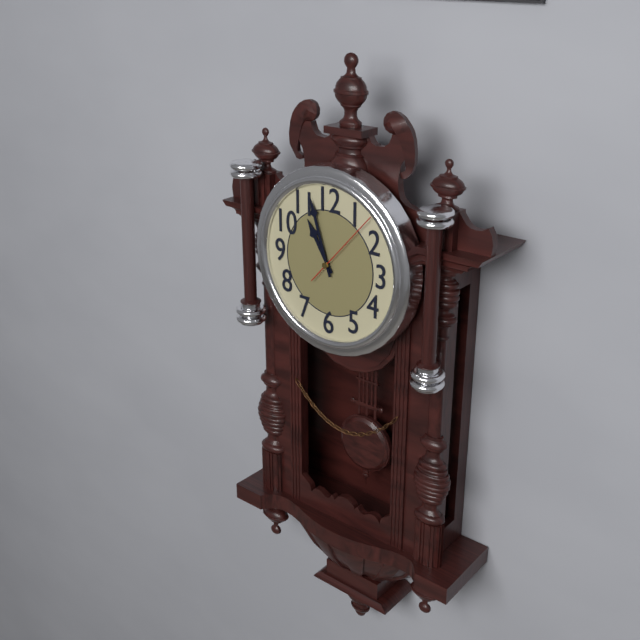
{"hour": 10, "minute": 57, "second": 7}
